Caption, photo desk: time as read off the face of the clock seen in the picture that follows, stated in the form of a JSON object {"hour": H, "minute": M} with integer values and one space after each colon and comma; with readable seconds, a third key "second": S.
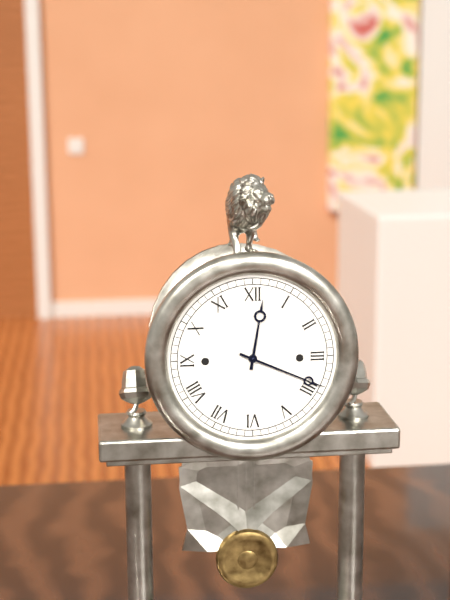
{"hour": 12, "minute": 19}
